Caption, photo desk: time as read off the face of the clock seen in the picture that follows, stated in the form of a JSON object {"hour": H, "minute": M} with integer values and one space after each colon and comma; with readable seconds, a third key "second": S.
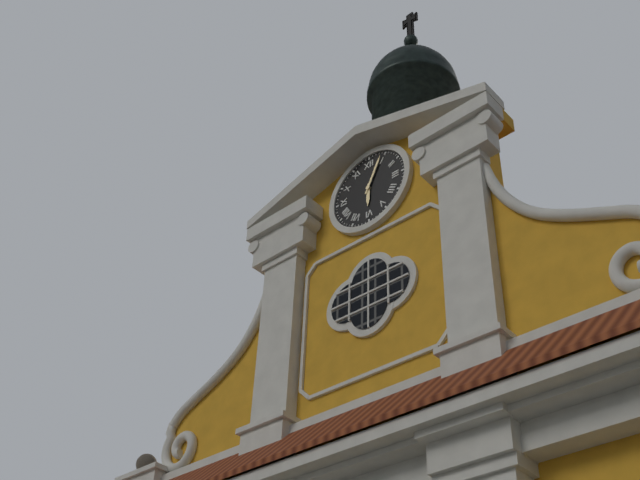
{"hour": 6, "minute": 4}
